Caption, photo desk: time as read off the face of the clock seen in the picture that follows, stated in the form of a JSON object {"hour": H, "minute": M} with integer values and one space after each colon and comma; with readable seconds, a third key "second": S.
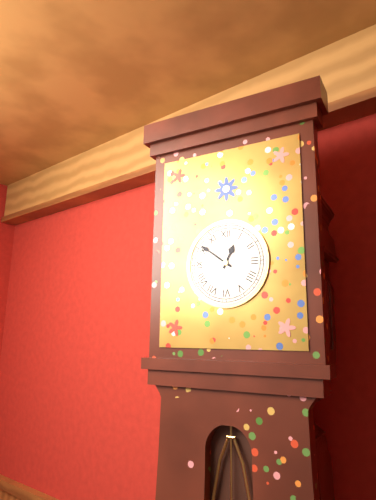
{"hour": 12, "minute": 51}
